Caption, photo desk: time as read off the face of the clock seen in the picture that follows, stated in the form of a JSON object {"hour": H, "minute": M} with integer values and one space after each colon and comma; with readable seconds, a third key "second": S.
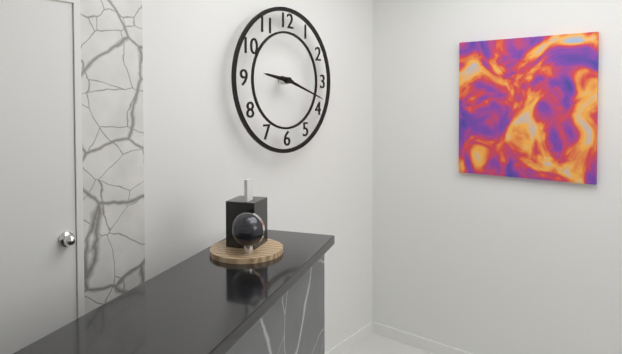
{"hour": 9, "minute": 18}
